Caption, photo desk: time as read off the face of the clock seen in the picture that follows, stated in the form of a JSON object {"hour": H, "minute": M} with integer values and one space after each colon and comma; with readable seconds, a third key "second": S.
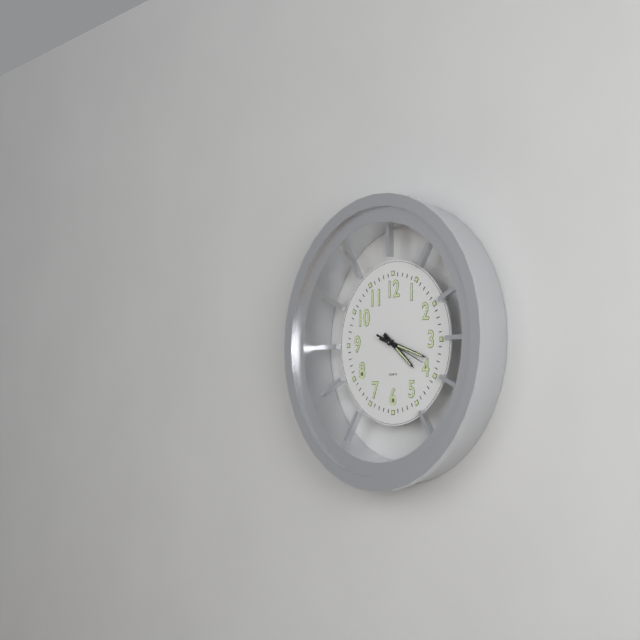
{"hour": 4, "minute": 18}
